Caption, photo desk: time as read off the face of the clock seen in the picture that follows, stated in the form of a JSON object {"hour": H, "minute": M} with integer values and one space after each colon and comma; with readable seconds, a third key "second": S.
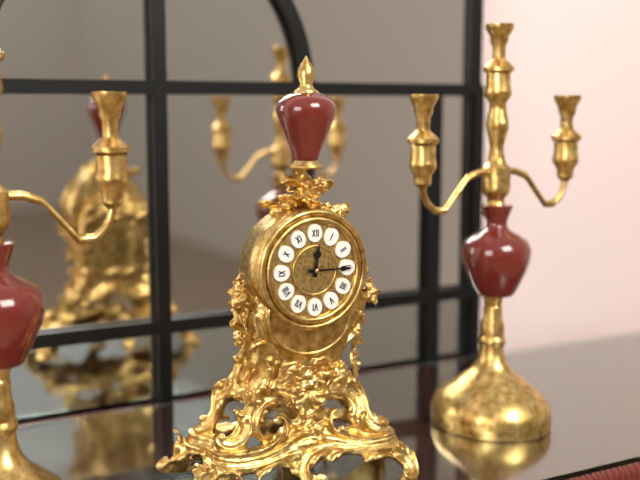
{"hour": 12, "minute": 15}
